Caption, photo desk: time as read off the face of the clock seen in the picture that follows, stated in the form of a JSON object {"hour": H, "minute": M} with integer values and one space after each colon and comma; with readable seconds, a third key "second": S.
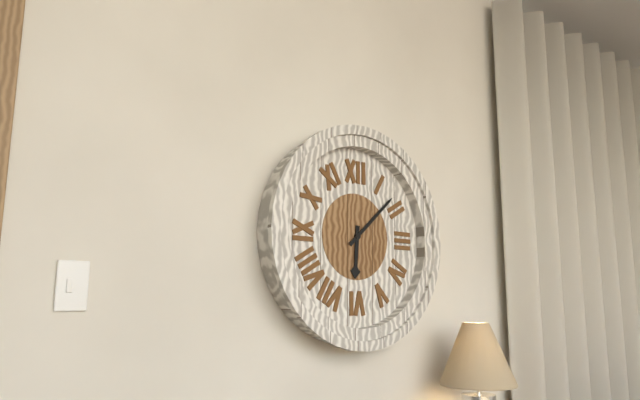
{"hour": 6, "minute": 8}
